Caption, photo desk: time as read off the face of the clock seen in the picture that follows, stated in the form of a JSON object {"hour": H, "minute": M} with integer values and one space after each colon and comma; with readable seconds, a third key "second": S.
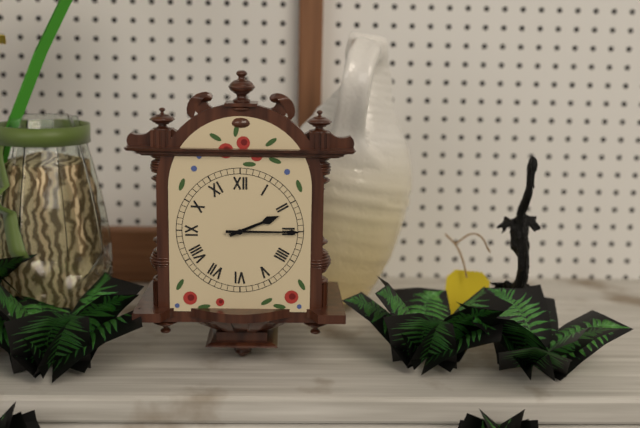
{"hour": 2, "minute": 15}
